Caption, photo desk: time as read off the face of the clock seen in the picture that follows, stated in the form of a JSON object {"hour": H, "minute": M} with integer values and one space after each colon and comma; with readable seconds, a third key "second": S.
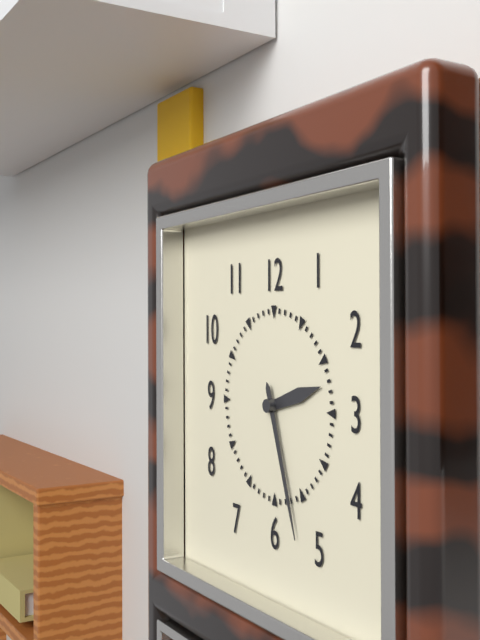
{"hour": 2, "minute": 27}
